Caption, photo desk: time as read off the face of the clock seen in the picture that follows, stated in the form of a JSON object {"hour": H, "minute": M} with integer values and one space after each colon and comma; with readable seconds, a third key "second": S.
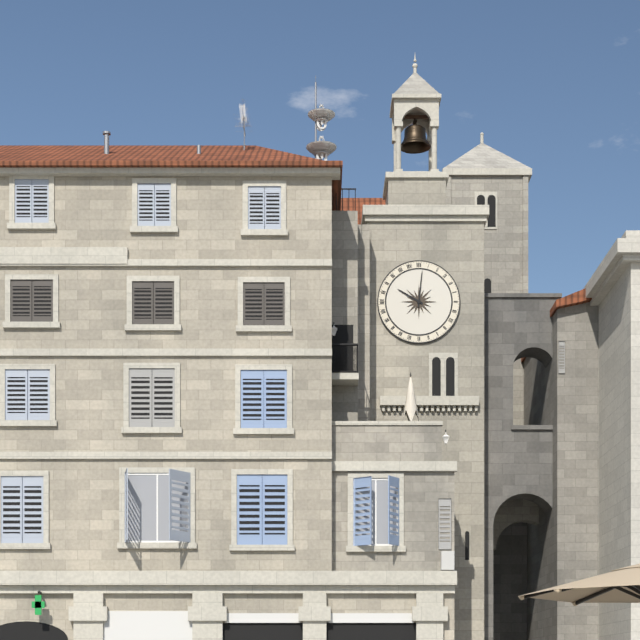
{"hour": 10, "minute": 1}
